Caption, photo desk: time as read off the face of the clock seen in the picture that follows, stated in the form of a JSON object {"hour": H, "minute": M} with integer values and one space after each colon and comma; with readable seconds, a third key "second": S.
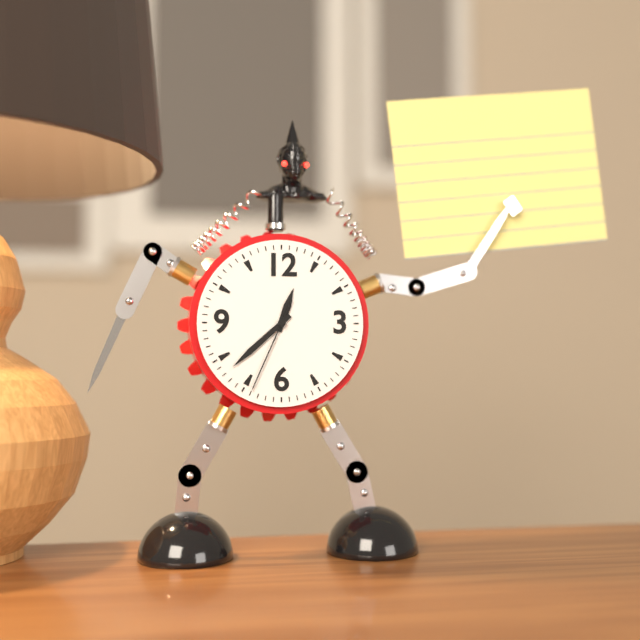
{"hour": 12, "minute": 38, "second": 34}
